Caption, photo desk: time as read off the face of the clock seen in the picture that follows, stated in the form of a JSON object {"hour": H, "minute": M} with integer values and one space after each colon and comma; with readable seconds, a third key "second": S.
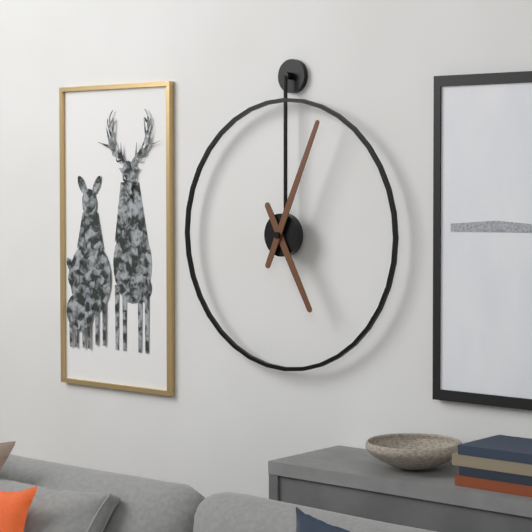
{"hour": 5, "minute": 4}
